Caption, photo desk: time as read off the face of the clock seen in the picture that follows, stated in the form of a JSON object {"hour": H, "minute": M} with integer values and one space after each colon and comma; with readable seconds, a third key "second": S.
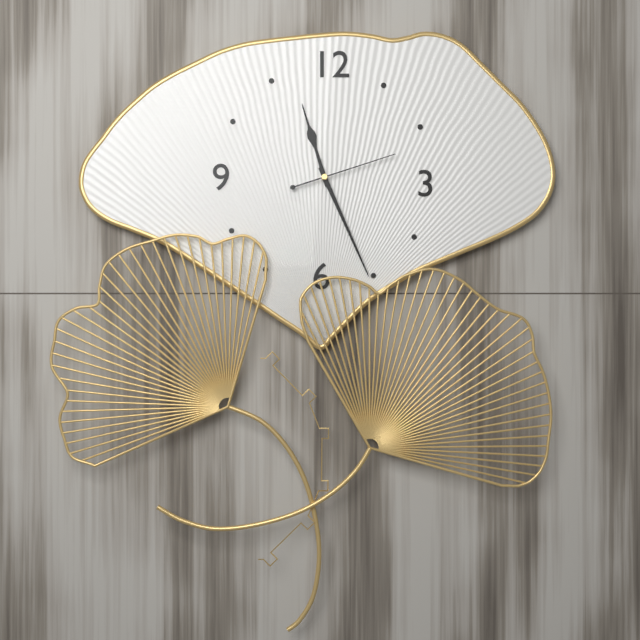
{"hour": 11, "minute": 26, "second": 12}
